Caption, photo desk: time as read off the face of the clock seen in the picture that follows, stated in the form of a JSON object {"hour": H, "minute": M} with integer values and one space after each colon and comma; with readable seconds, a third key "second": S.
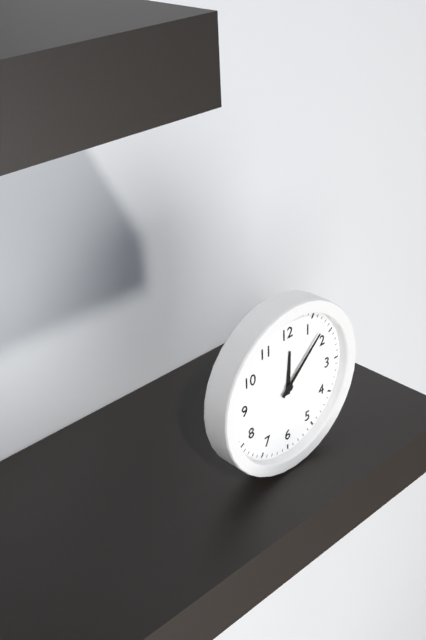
{"hour": 12, "minute": 8}
